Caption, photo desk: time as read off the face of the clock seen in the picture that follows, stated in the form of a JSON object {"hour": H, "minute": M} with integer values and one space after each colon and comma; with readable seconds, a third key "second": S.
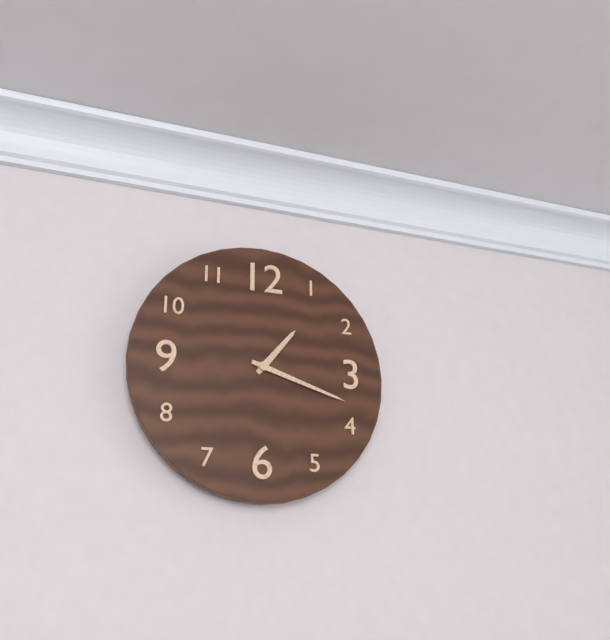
{"hour": 1, "minute": 18}
